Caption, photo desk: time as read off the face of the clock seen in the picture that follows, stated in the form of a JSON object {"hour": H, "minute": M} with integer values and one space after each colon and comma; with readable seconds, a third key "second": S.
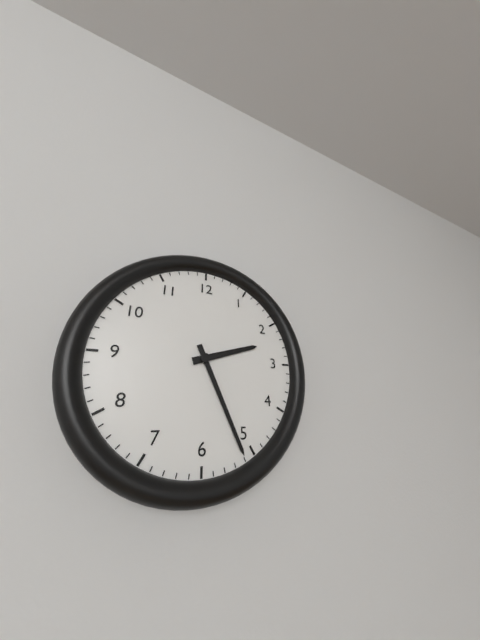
{"hour": 2, "minute": 26}
